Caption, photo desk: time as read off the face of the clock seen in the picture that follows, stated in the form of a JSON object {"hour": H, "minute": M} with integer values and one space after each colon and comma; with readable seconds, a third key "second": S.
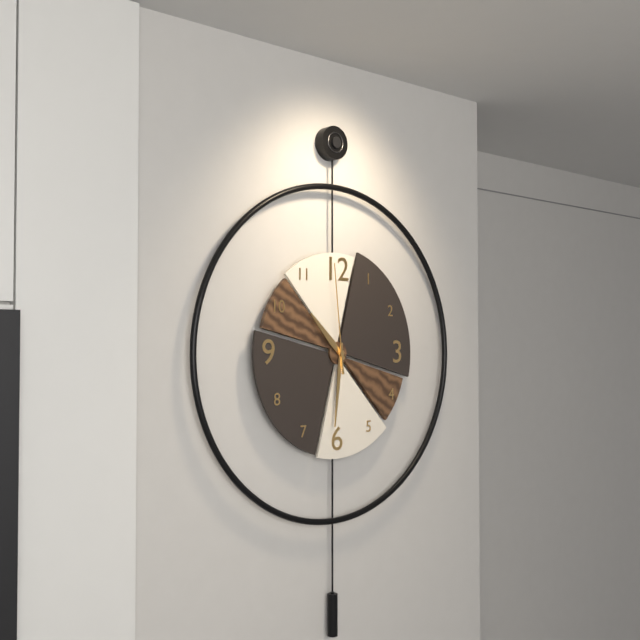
{"hour": 10, "minute": 31, "second": 59}
